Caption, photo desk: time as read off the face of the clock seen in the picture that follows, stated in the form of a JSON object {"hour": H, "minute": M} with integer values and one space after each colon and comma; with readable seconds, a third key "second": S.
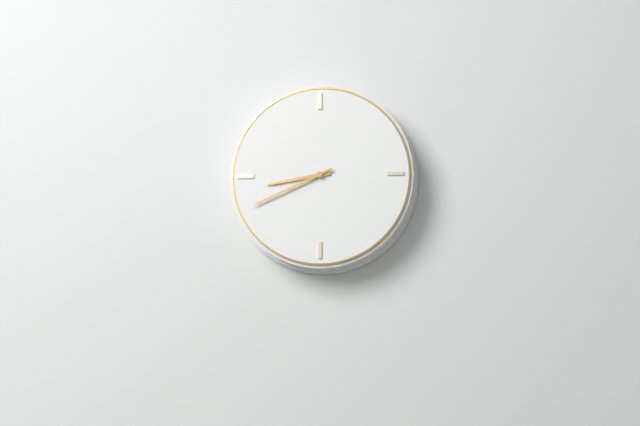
{"hour": 8, "minute": 41}
